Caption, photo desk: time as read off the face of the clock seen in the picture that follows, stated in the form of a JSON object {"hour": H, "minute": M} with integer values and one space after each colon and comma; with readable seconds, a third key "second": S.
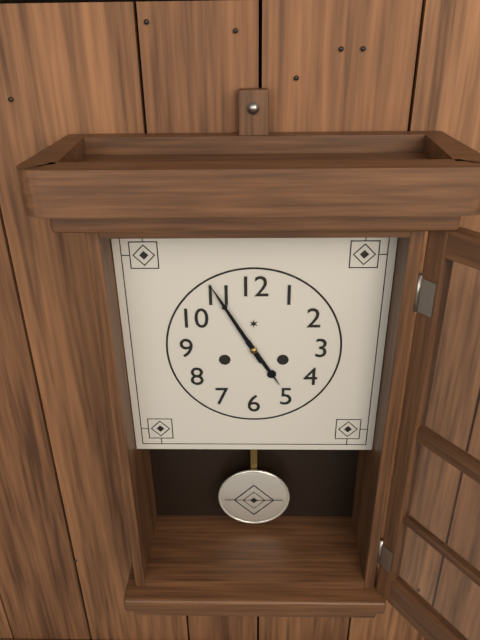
{"hour": 4, "minute": 55}
